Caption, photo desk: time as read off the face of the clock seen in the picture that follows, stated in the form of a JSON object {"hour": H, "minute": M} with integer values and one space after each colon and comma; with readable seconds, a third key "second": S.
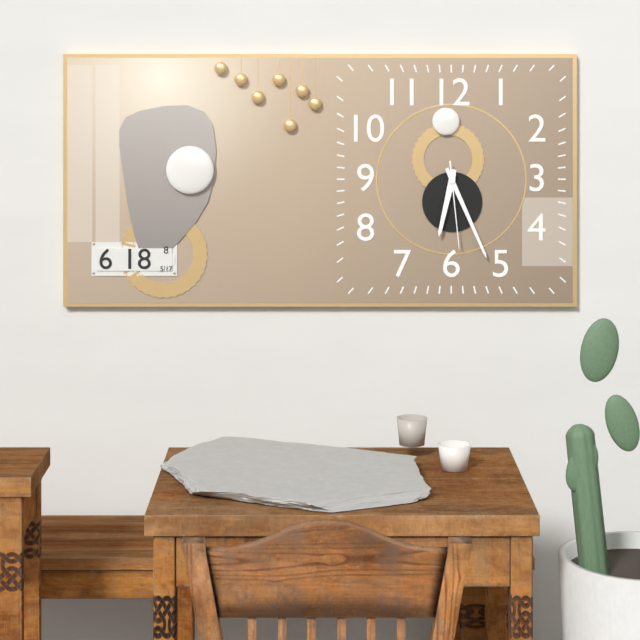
{"hour": 6, "minute": 26, "second": 29}
